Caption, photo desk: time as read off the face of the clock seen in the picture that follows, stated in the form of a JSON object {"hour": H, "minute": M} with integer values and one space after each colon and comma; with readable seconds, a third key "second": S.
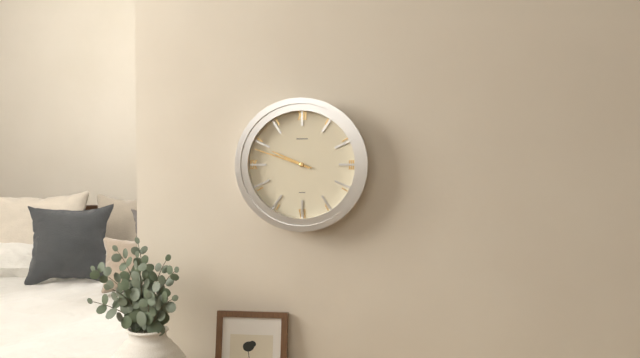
{"hour": 9, "minute": 48}
